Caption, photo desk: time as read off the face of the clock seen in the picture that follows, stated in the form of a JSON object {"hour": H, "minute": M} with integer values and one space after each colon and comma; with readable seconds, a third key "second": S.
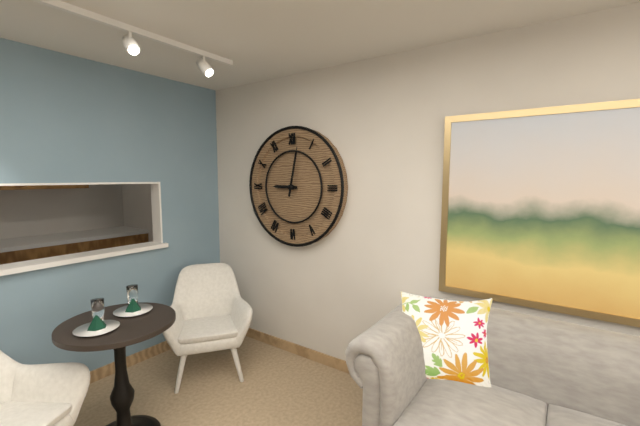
{"hour": 9, "minute": 2}
